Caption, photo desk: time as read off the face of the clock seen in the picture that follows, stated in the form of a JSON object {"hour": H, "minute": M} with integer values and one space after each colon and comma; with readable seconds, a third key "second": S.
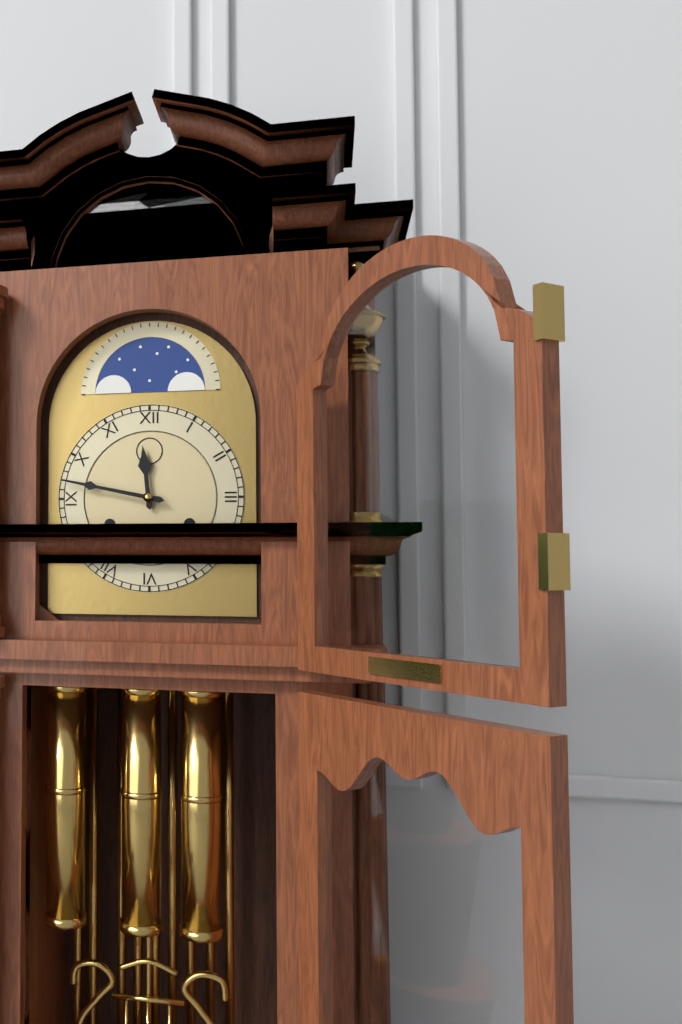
{"hour": 11, "minute": 47}
